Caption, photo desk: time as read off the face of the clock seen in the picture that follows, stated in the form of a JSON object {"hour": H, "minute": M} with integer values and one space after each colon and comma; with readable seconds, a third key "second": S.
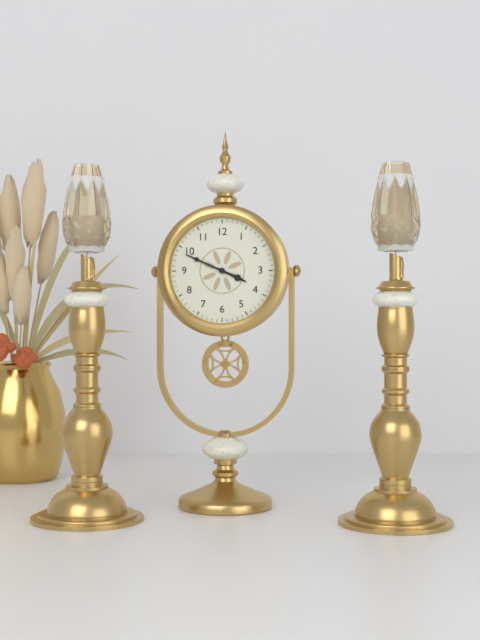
{"hour": 3, "minute": 49}
